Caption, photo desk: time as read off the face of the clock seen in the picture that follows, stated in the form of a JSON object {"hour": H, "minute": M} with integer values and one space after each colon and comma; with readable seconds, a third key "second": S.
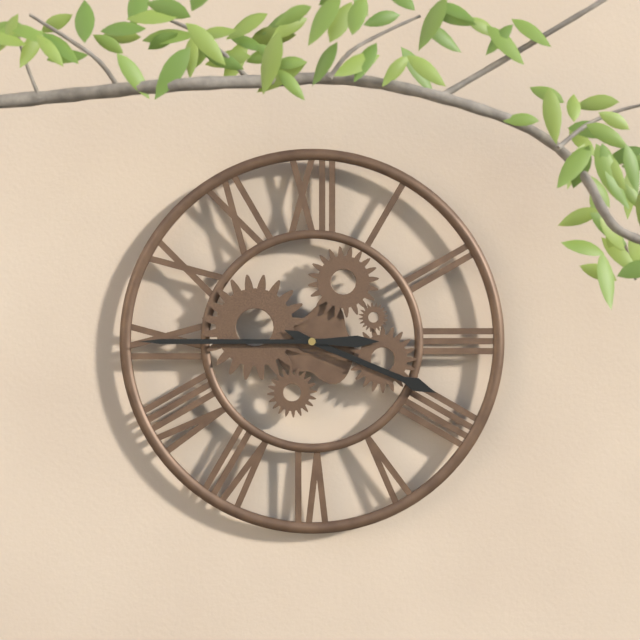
{"hour": 3, "minute": 45}
